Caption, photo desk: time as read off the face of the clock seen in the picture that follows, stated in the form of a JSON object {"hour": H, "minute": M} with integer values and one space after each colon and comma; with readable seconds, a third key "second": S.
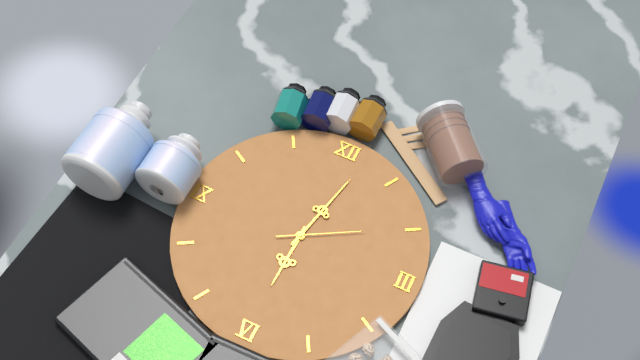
{"hour": 6, "minute": 2, "second": 10}
